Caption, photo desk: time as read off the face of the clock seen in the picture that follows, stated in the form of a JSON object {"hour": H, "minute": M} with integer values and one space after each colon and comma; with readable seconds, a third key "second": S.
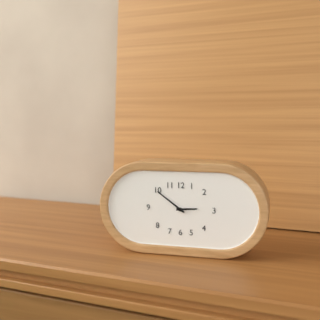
{"hour": 2, "minute": 51}
